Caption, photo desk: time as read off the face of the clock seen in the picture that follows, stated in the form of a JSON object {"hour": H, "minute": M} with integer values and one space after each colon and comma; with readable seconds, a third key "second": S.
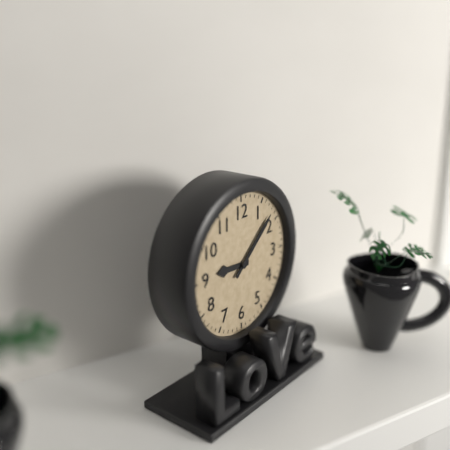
{"hour": 9, "minute": 8}
